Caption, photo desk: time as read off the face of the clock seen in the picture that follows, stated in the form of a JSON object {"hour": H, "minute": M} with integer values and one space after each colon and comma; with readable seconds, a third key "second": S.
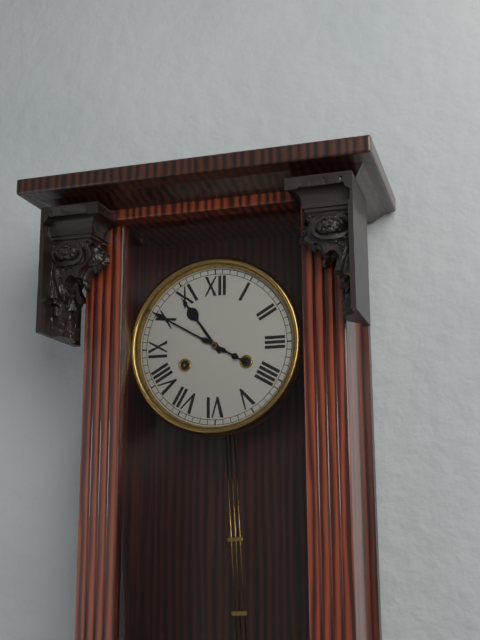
{"hour": 10, "minute": 50}
